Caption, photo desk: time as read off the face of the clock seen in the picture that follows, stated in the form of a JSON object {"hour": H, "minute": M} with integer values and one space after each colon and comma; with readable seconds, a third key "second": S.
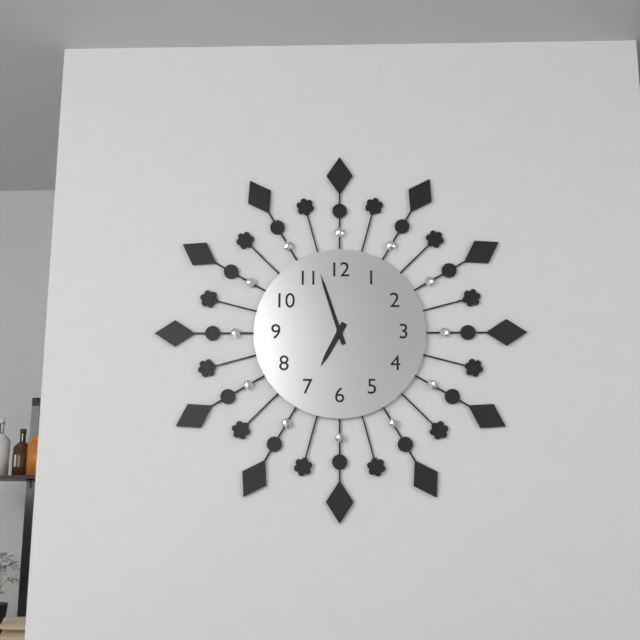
{"hour": 6, "minute": 57}
